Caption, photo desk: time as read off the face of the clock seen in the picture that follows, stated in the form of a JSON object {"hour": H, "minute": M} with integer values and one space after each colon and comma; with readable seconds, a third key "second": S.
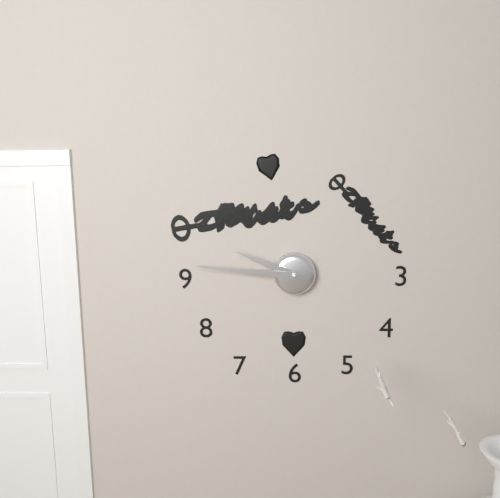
{"hour": 9, "minute": 46}
